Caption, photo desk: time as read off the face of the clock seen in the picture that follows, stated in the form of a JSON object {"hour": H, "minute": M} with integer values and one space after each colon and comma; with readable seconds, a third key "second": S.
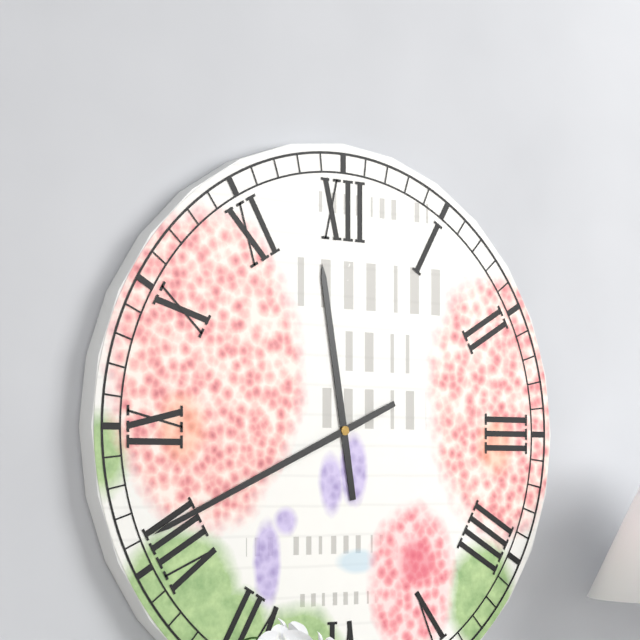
{"hour": 11, "minute": 41}
